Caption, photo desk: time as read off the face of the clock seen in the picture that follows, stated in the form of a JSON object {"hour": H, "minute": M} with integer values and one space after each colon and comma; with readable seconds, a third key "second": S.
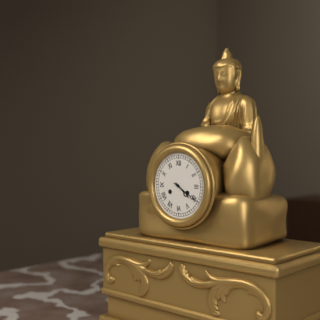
{"hour": 4, "minute": 20}
